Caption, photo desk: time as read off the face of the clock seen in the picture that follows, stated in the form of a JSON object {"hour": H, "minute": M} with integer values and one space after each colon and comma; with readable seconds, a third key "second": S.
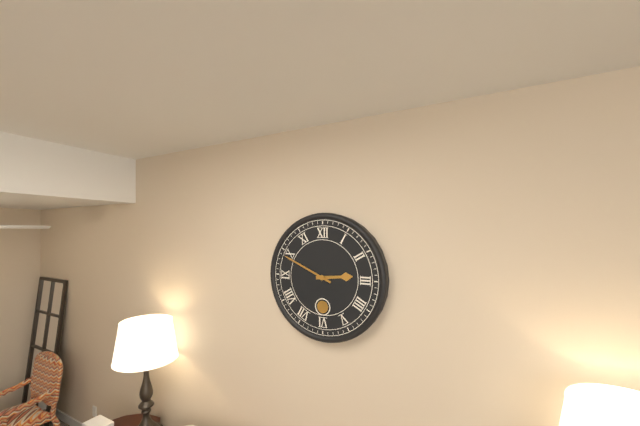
{"hour": 2, "minute": 49}
